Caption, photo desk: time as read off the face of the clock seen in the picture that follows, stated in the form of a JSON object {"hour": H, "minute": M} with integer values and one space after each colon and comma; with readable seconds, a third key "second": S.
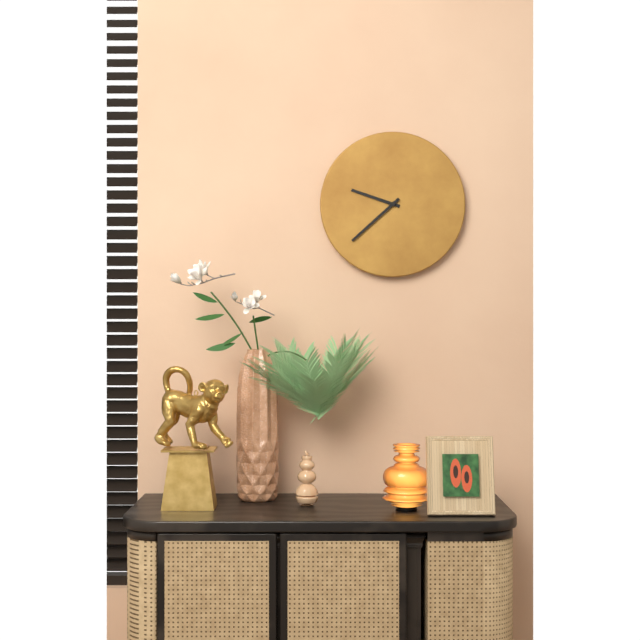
{"hour": 9, "minute": 38}
